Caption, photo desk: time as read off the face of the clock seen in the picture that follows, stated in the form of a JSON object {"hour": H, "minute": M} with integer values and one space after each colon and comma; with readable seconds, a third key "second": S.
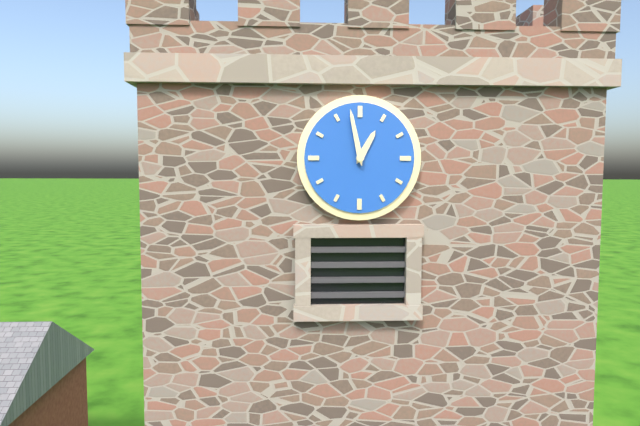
{"hour": 12, "minute": 58}
